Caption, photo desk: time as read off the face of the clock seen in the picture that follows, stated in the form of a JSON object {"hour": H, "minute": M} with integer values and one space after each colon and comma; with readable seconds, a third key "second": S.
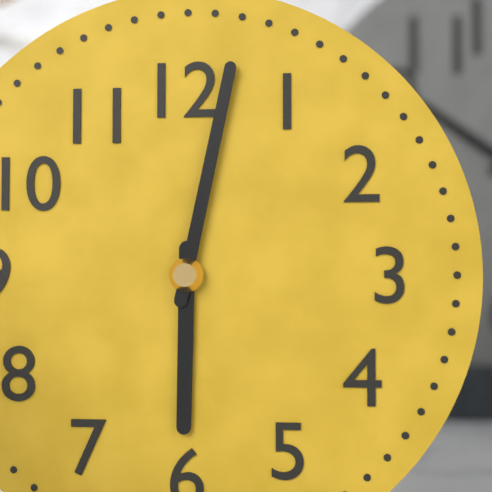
{"hour": 6, "minute": 2}
